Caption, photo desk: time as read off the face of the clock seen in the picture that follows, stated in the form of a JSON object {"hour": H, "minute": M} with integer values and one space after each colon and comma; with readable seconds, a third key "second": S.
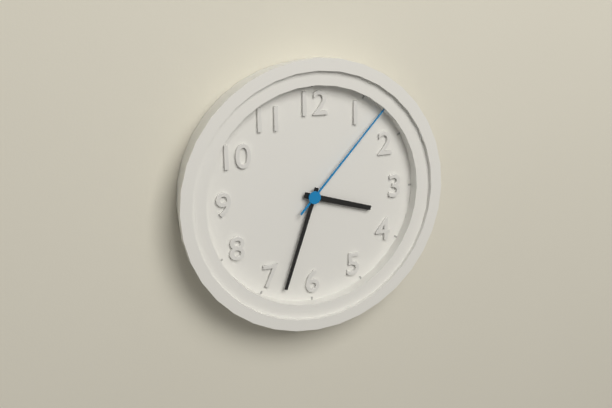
{"hour": 3, "minute": 33, "second": 7}
